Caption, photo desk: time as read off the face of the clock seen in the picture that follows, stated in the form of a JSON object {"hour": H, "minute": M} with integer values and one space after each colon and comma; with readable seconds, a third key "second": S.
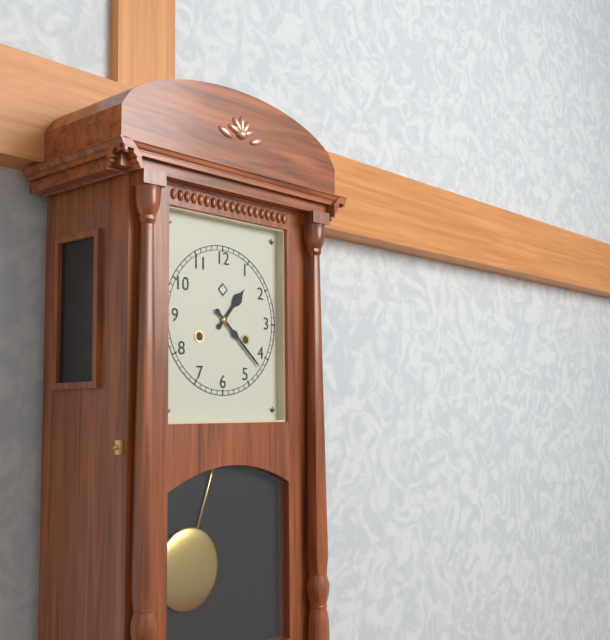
{"hour": 1, "minute": 22}
